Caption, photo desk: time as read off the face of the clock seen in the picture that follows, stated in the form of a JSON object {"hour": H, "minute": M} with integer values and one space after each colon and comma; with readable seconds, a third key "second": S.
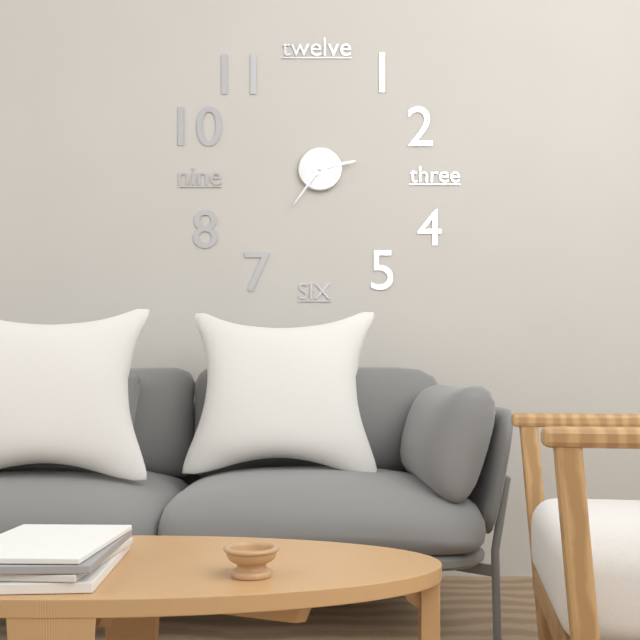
{"hour": 2, "minute": 36}
